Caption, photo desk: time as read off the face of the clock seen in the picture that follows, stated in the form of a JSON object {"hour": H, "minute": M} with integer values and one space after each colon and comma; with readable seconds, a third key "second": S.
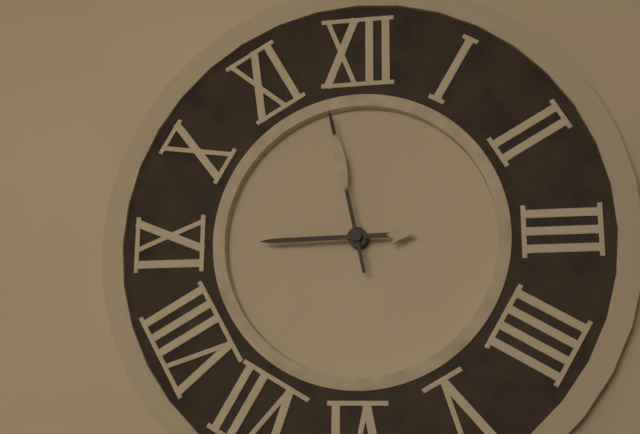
{"hour": 8, "minute": 58}
